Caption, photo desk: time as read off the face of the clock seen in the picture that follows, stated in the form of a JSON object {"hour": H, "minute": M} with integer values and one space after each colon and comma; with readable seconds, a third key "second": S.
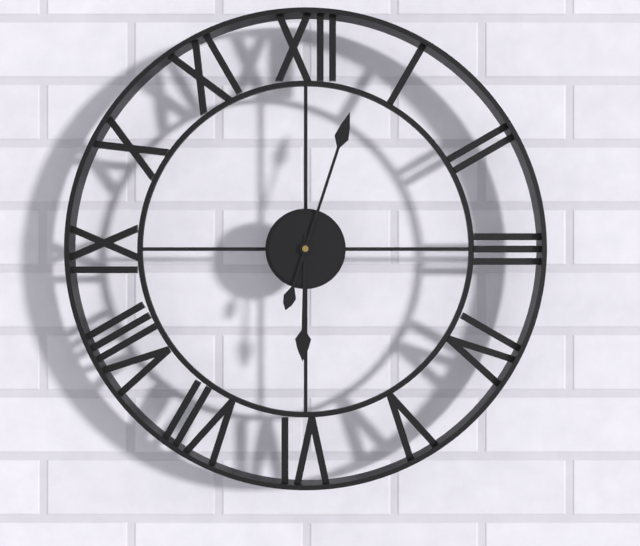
{"hour": 6, "minute": 3}
